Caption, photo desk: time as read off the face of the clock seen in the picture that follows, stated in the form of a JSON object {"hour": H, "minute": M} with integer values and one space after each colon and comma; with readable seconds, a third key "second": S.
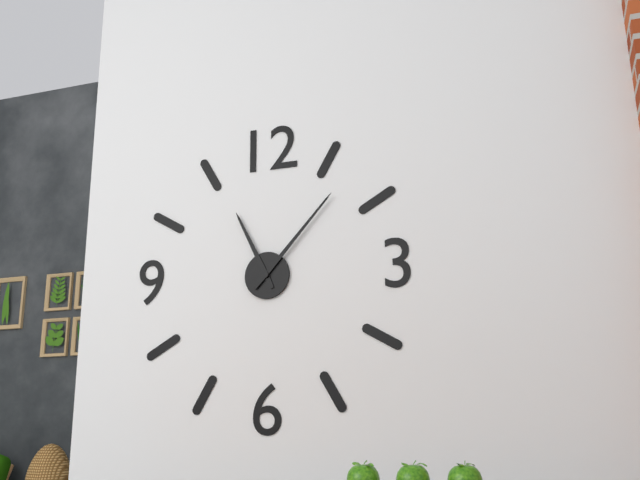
{"hour": 11, "minute": 7}
